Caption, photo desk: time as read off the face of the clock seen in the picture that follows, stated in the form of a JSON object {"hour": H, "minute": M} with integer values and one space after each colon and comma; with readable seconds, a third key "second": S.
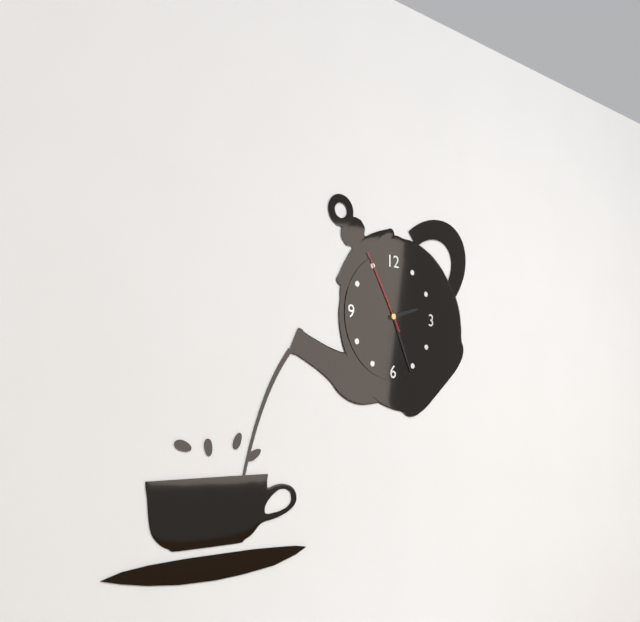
{"hour": 2, "minute": 26, "second": 55}
